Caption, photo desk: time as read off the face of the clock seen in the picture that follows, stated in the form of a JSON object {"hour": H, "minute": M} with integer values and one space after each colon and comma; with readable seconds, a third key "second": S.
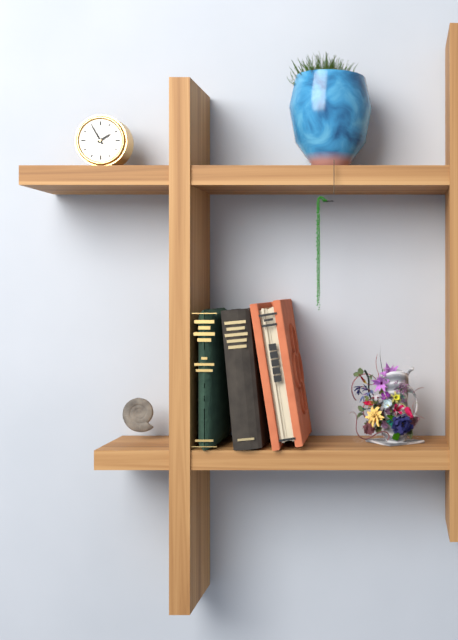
{"hour": 1, "minute": 55}
